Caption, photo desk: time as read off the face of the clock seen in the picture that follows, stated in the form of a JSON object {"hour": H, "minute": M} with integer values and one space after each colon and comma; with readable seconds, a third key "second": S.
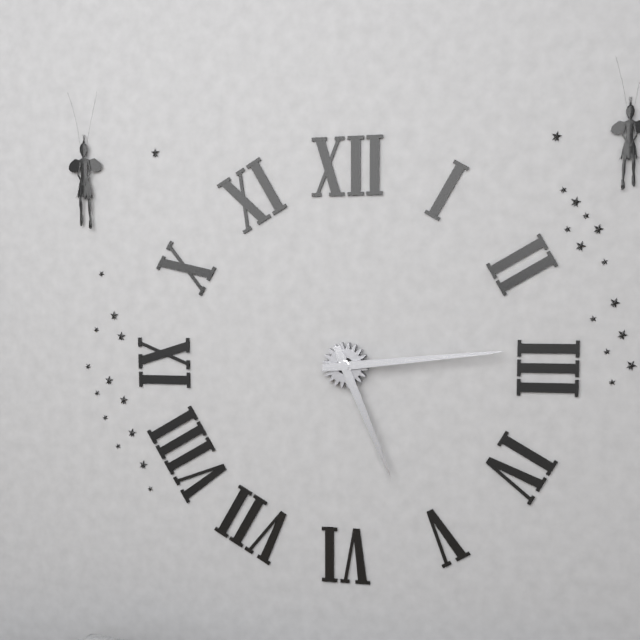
{"hour": 5, "minute": 14}
